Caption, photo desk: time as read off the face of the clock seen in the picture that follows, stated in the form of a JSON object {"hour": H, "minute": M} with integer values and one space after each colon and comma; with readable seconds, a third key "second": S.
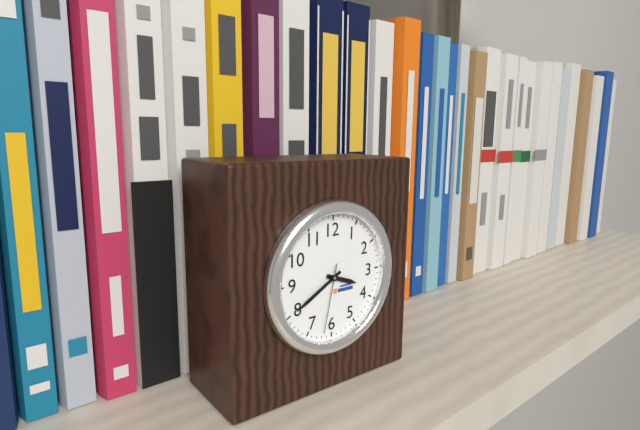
{"hour": 3, "minute": 40, "second": 32}
